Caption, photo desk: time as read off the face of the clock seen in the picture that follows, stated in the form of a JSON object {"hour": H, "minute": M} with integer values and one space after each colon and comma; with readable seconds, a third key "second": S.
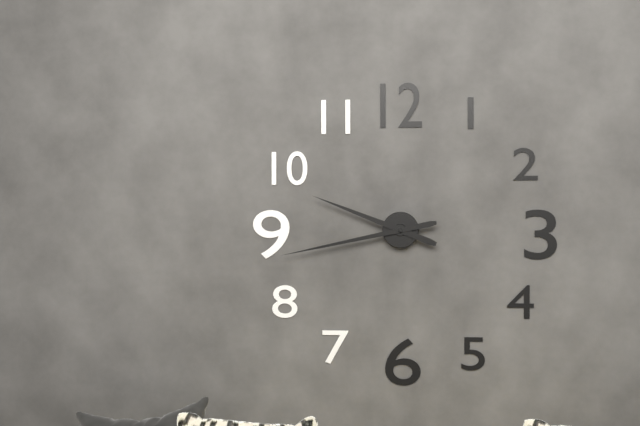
{"hour": 9, "minute": 43}
